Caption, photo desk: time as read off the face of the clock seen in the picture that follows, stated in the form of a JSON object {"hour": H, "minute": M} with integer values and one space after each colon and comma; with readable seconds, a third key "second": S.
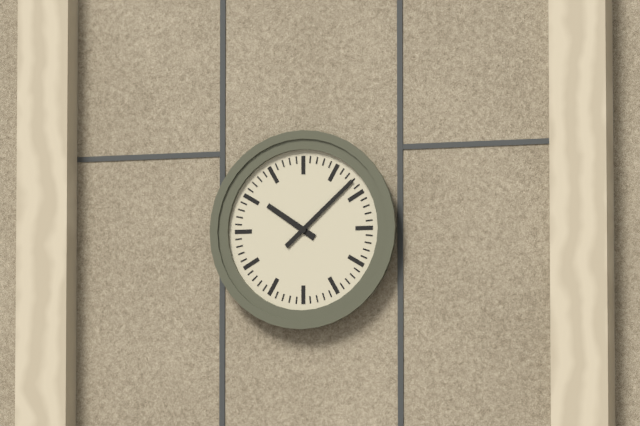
{"hour": 10, "minute": 8}
